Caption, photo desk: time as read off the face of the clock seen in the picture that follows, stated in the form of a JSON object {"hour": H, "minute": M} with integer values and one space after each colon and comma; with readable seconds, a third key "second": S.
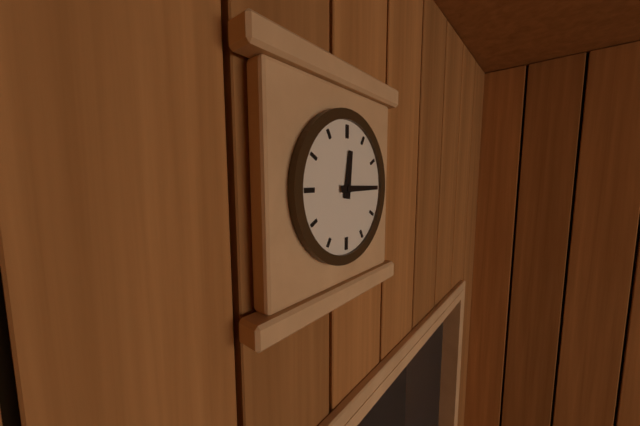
{"hour": 12, "minute": 15}
